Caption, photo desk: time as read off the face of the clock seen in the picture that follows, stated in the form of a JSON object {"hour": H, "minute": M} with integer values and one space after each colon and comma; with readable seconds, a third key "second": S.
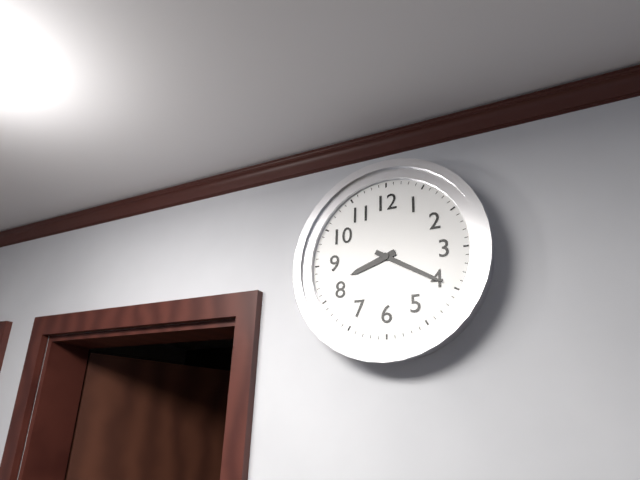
{"hour": 8, "minute": 20}
